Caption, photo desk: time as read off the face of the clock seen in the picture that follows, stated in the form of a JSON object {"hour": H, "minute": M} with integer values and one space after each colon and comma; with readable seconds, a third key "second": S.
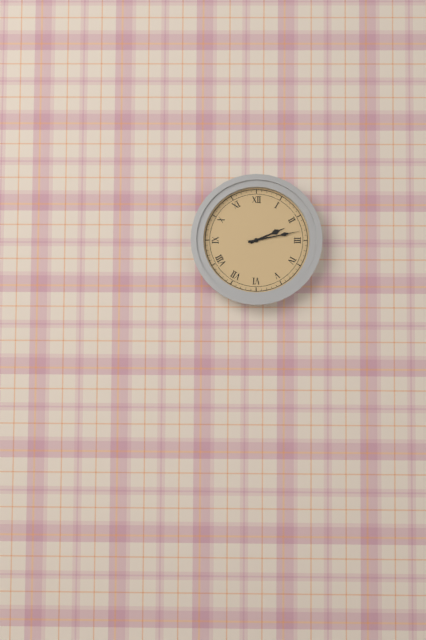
{"hour": 2, "minute": 13}
